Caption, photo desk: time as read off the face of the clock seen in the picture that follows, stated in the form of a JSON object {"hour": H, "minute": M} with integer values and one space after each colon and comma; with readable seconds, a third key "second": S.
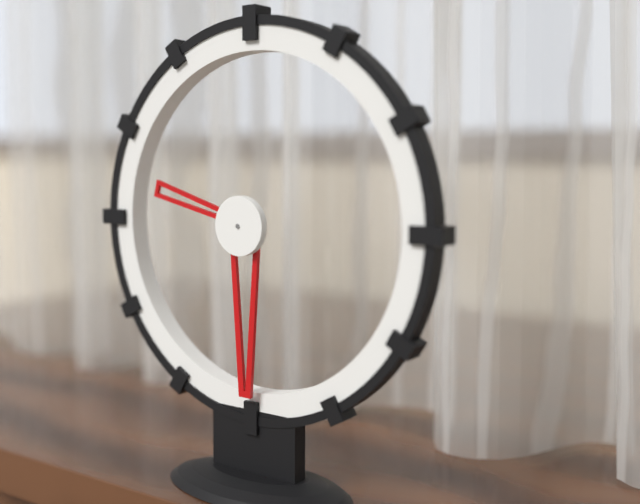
{"hour": 9, "minute": 30}
